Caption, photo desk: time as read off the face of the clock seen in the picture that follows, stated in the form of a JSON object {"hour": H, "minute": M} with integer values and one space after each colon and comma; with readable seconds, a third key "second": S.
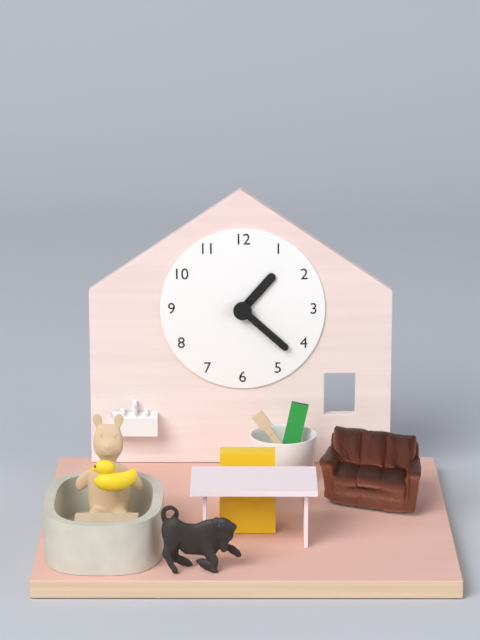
{"hour": 1, "minute": 22}
